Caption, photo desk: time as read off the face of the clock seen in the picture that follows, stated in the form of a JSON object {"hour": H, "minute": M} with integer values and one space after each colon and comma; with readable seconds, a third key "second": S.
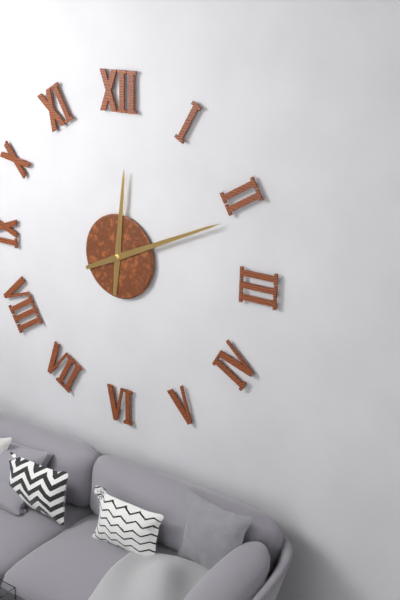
{"hour": 12, "minute": 11}
